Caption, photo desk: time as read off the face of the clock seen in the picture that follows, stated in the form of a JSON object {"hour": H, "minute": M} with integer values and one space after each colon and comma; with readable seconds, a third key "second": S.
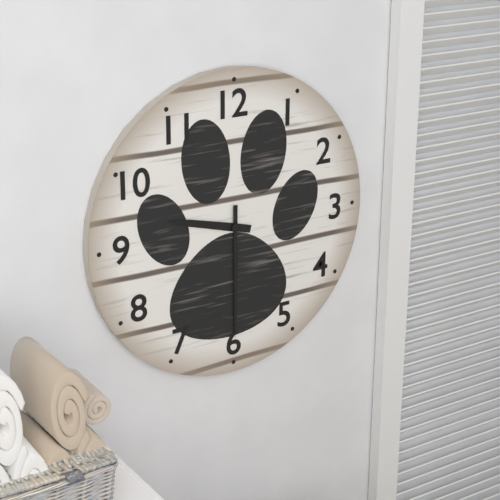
{"hour": 9, "minute": 30}
